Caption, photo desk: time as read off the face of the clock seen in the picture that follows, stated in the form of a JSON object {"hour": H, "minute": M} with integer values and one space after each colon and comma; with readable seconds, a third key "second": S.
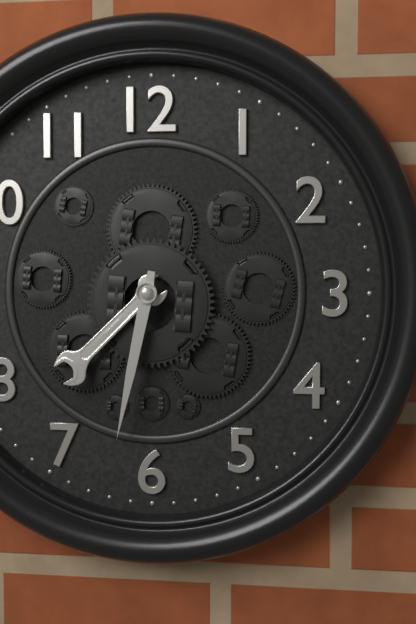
{"hour": 7, "minute": 32}
